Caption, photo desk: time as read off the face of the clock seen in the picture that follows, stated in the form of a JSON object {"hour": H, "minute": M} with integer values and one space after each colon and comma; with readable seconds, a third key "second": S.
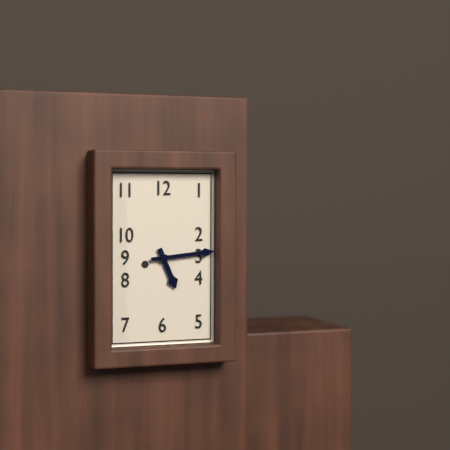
{"hour": 5, "minute": 14}
